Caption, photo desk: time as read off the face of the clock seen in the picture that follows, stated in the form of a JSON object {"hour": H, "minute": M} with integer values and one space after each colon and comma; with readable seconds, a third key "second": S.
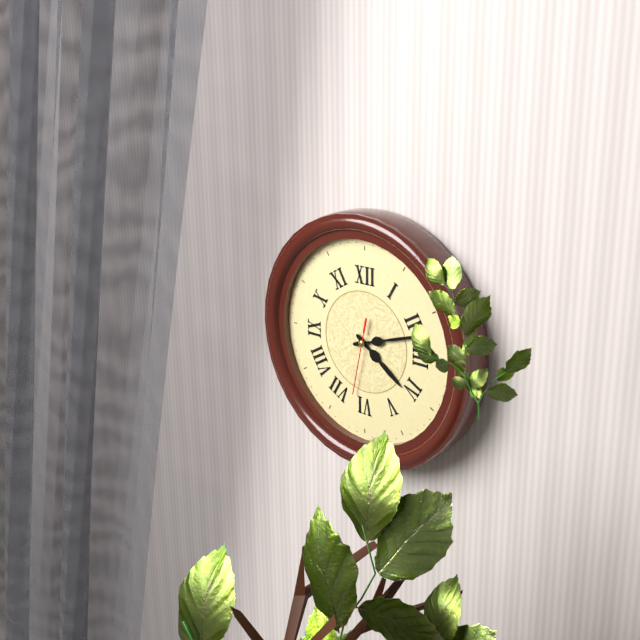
{"hour": 4, "minute": 12, "second": 32}
